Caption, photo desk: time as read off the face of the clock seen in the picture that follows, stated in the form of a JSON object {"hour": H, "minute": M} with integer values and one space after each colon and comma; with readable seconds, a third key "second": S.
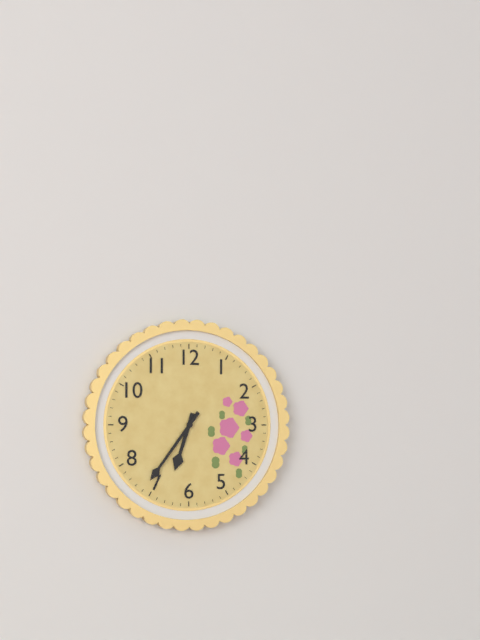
{"hour": 6, "minute": 36}
